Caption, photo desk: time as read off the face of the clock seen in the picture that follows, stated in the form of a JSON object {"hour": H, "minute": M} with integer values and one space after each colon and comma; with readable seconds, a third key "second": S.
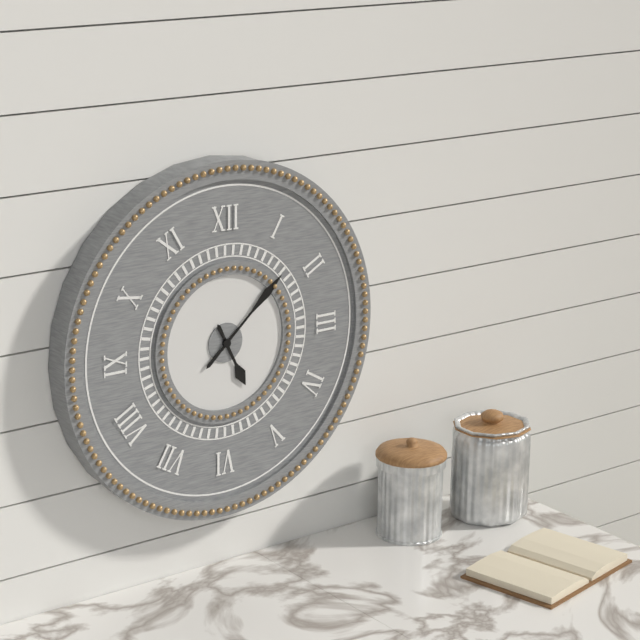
{"hour": 5, "minute": 8}
